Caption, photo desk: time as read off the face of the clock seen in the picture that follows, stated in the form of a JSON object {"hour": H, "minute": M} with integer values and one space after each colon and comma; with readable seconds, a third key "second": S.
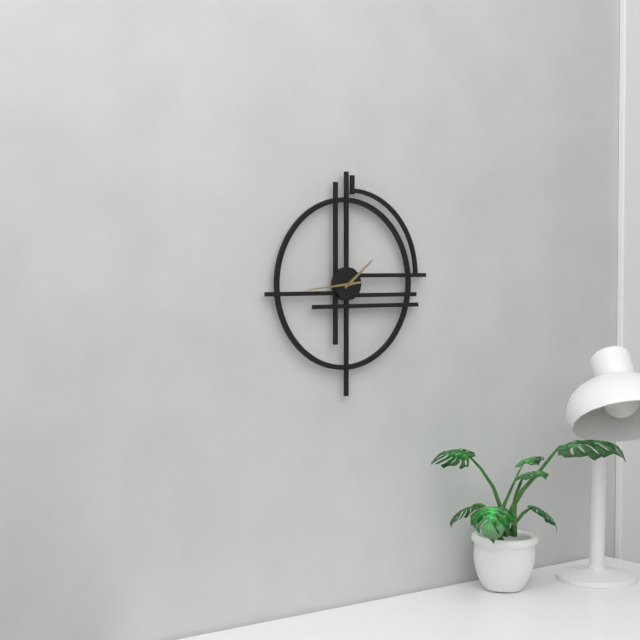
{"hour": 1, "minute": 44}
